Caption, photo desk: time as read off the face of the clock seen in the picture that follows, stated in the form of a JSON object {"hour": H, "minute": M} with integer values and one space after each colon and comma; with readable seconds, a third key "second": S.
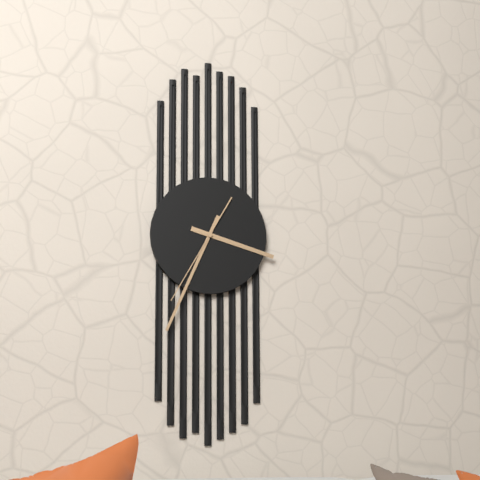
{"hour": 3, "minute": 34, "second": 35}
